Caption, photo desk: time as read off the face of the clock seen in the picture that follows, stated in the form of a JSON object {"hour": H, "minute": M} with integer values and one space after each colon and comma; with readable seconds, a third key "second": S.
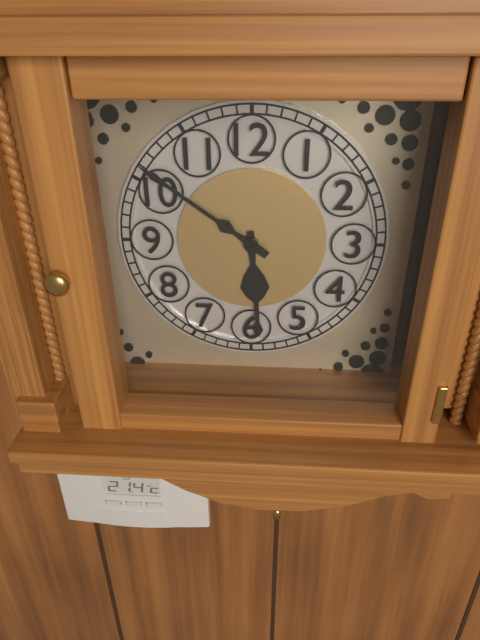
{"hour": 5, "minute": 51}
